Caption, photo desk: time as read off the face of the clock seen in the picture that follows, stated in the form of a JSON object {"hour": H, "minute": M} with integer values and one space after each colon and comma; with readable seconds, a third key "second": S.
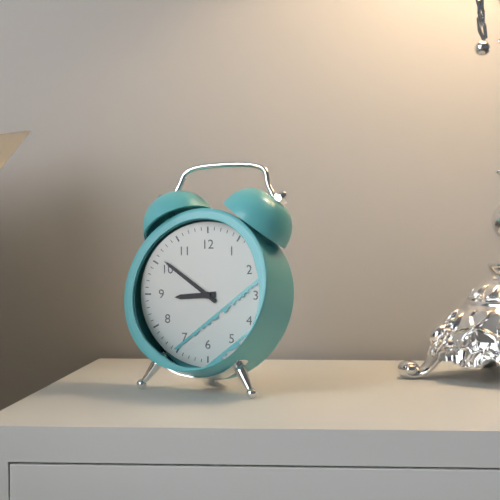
{"hour": 8, "minute": 51}
